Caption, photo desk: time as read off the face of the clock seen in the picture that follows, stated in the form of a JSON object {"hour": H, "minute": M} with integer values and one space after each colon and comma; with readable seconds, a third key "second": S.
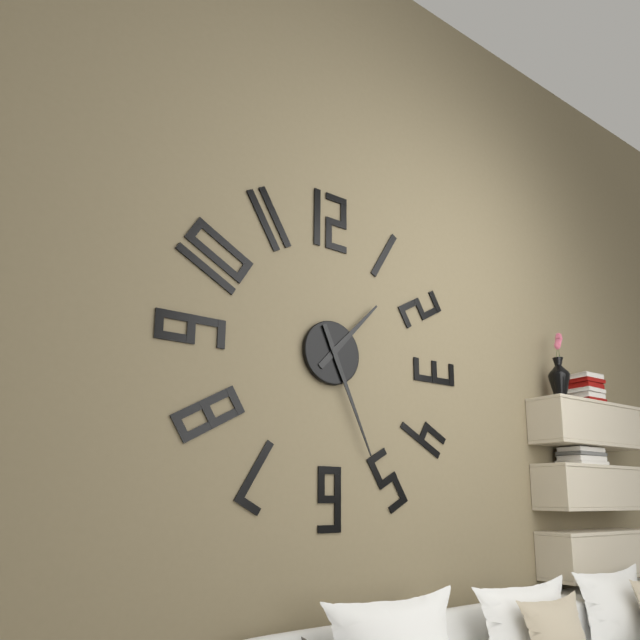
{"hour": 1, "minute": 26}
